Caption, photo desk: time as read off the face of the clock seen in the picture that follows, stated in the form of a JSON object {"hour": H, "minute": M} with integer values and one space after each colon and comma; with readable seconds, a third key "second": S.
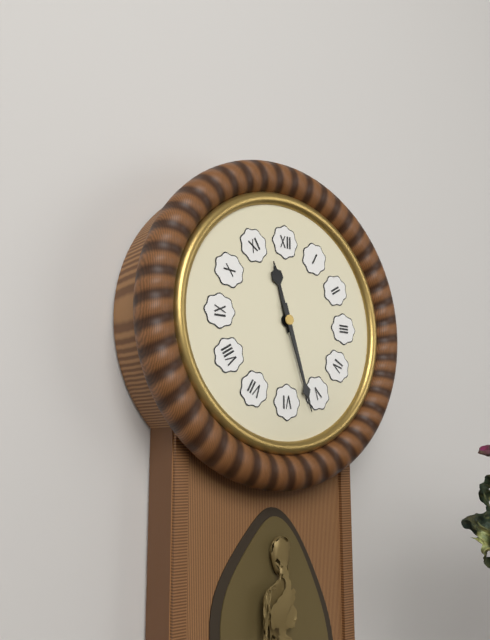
{"hour": 11, "minute": 27}
